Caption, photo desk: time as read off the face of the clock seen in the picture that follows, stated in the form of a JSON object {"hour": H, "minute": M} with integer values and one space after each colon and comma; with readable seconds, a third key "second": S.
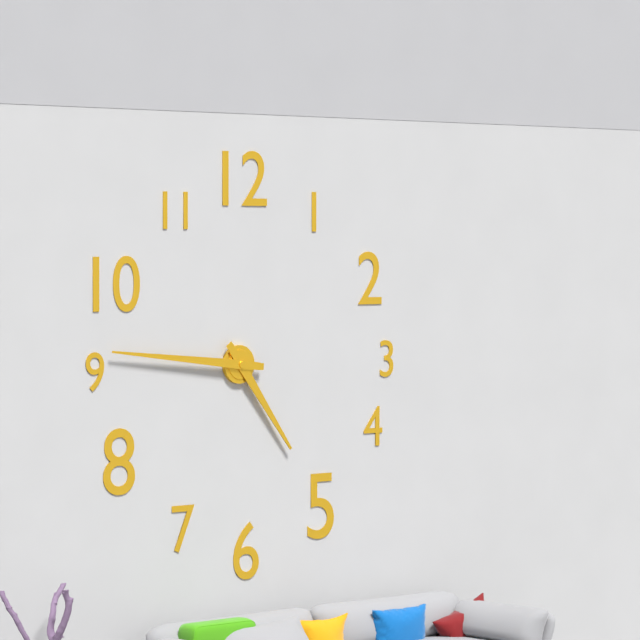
{"hour": 4, "minute": 46}
